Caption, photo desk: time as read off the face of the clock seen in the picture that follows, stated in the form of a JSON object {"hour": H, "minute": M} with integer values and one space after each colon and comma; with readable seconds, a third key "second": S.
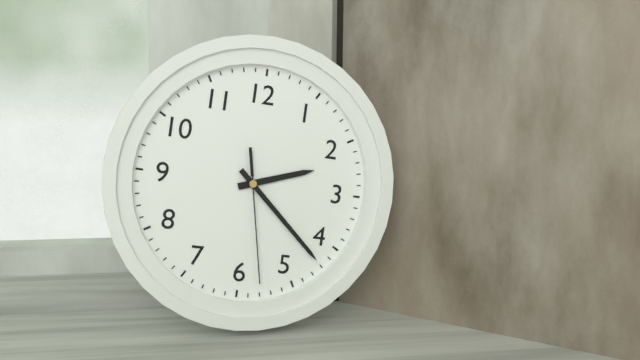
{"hour": 2, "minute": 22, "second": 28}
